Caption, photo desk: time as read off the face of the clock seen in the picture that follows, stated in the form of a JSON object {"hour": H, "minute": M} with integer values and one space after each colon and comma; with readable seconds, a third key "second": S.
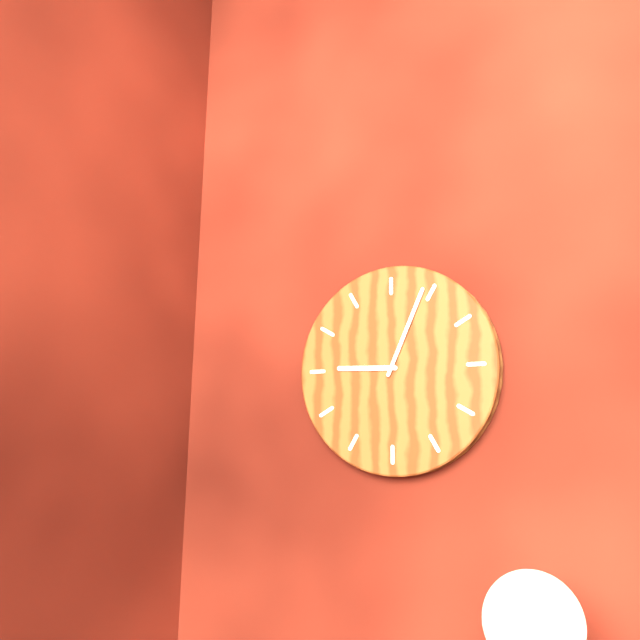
{"hour": 9, "minute": 4}
